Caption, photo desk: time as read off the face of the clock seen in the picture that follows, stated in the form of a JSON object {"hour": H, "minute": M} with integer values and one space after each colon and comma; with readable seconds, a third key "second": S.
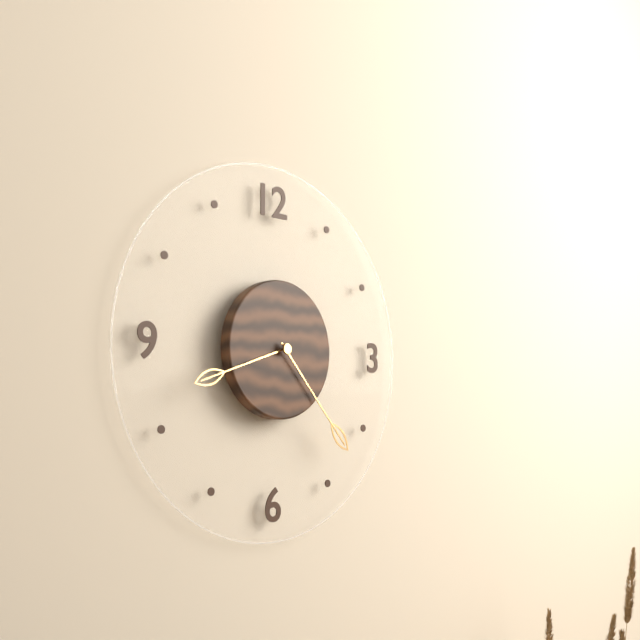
{"hour": 8, "minute": 23}
